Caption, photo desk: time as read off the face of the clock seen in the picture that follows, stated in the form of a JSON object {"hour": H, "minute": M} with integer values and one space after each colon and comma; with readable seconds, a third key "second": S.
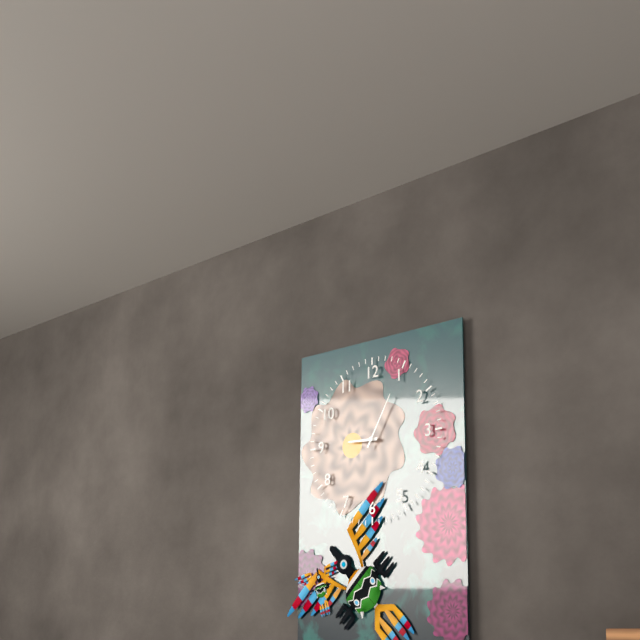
{"hour": 9, "minute": 5}
